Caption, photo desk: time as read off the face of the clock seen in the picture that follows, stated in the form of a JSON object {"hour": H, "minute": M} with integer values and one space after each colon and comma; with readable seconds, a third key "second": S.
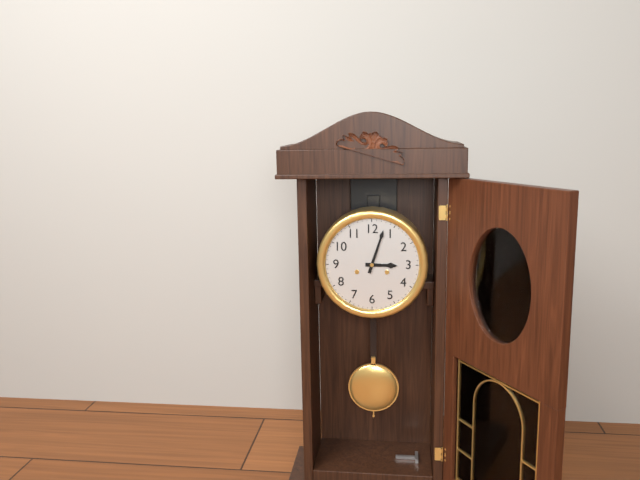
{"hour": 3, "minute": 3}
